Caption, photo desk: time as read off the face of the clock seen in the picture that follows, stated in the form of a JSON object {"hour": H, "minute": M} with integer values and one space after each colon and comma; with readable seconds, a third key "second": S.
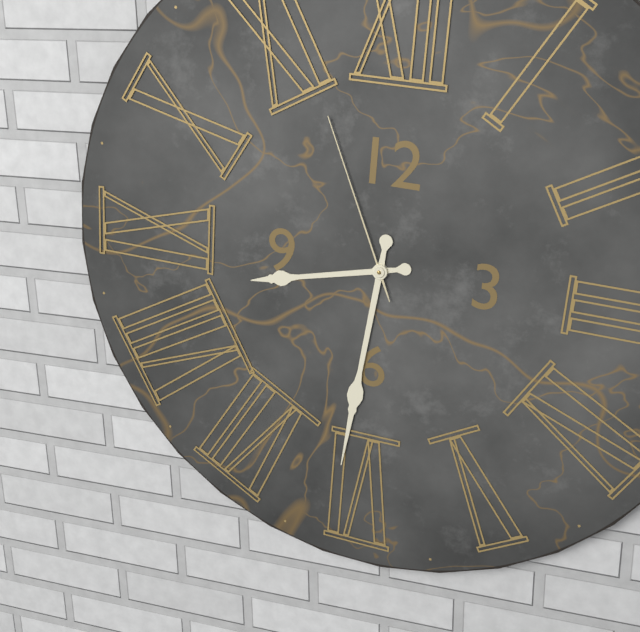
{"hour": 8, "minute": 31, "second": 56}
